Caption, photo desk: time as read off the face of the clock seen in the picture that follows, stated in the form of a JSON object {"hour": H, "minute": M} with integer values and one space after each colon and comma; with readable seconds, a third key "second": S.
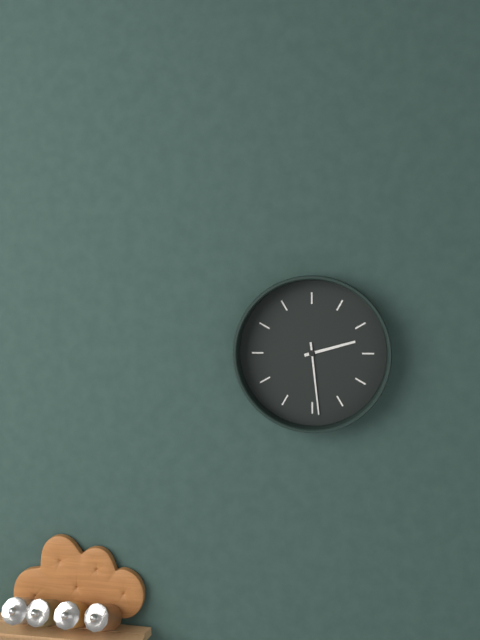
{"hour": 2, "minute": 29}
